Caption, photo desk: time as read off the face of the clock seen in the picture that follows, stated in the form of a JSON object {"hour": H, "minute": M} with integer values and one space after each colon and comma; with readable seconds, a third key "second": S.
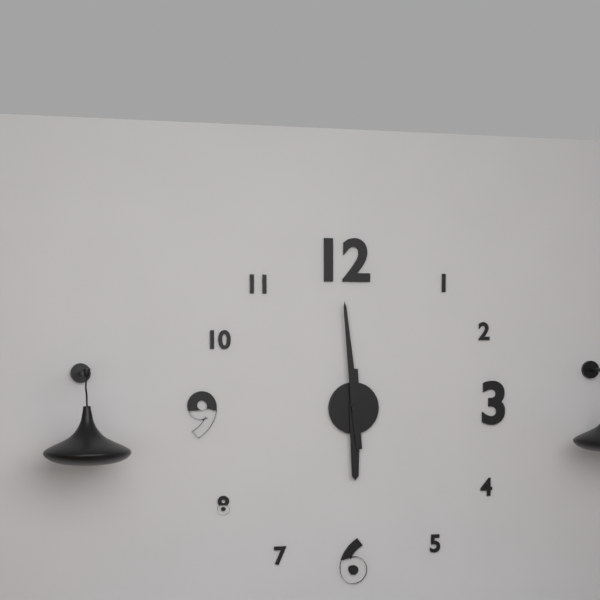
{"hour": 5, "minute": 59}
